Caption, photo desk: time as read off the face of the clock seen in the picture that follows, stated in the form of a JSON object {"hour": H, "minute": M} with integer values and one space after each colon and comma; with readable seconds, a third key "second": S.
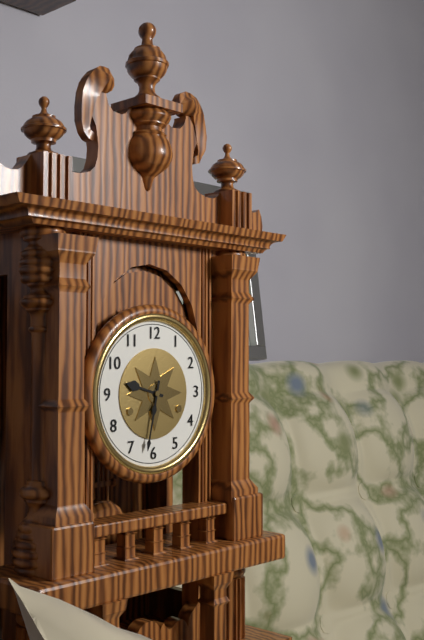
{"hour": 9, "minute": 32}
